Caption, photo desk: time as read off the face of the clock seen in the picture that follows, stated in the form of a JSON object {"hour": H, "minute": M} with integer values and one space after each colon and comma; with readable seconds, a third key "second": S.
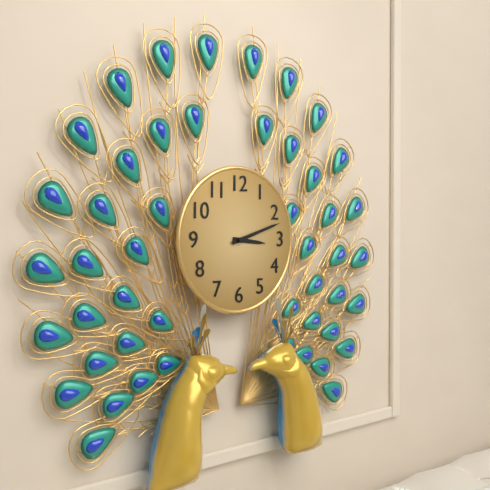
{"hour": 3, "minute": 12}
